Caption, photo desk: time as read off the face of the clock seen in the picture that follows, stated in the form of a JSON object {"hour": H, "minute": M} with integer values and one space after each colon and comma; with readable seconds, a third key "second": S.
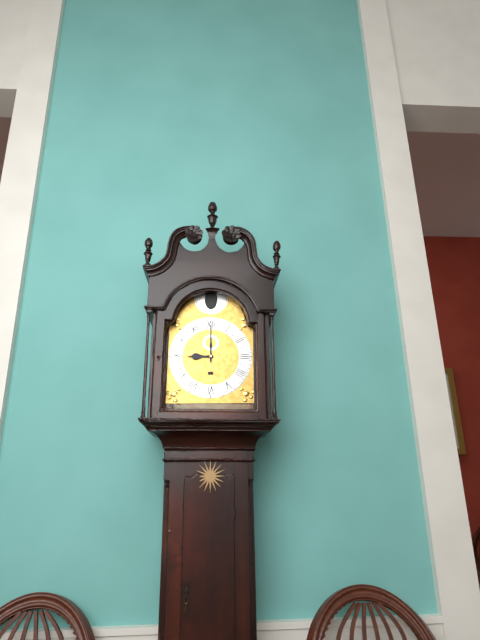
{"hour": 9, "minute": 0}
